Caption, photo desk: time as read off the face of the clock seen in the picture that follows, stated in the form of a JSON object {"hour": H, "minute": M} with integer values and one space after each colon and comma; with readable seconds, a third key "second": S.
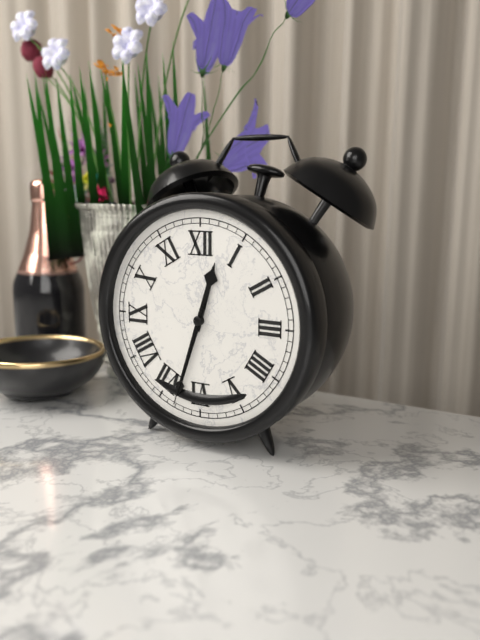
{"hour": 12, "minute": 33, "second": 33}
